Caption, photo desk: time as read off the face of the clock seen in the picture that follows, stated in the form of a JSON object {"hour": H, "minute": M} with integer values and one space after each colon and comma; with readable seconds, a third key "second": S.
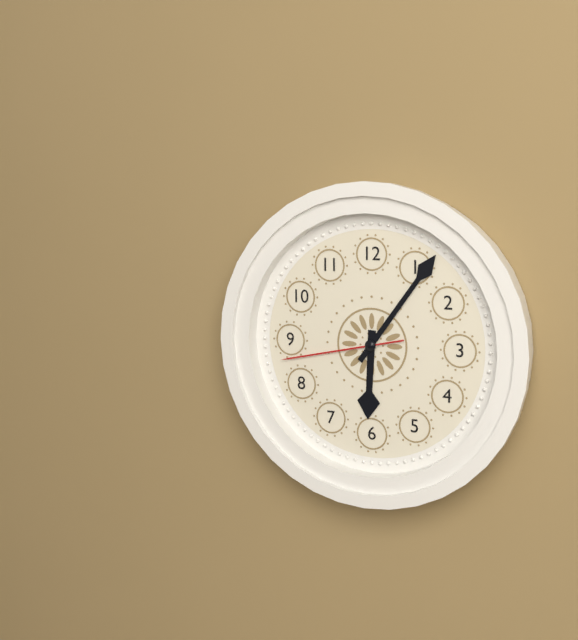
{"hour": 6, "minute": 6, "second": 43}
